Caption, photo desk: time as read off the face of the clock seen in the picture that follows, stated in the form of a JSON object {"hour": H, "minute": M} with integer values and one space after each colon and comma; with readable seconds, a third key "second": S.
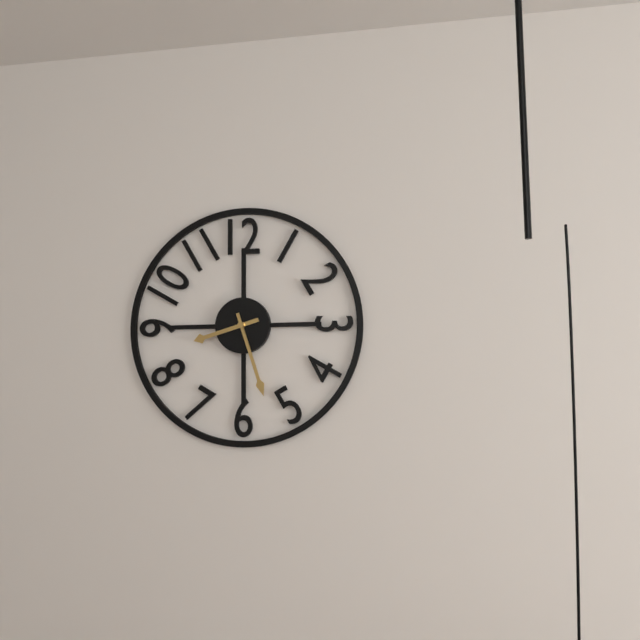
{"hour": 8, "minute": 27}
